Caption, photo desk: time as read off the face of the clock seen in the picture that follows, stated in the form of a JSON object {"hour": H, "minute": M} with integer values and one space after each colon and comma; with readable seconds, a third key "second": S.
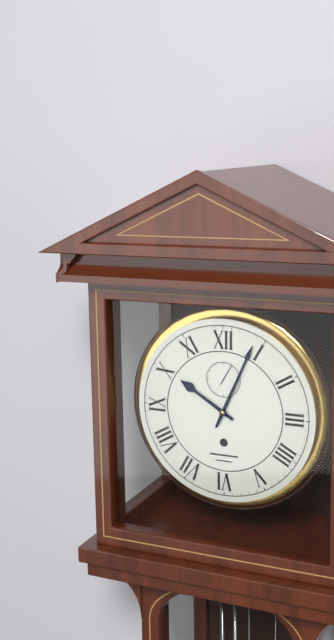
{"hour": 10, "minute": 4}
